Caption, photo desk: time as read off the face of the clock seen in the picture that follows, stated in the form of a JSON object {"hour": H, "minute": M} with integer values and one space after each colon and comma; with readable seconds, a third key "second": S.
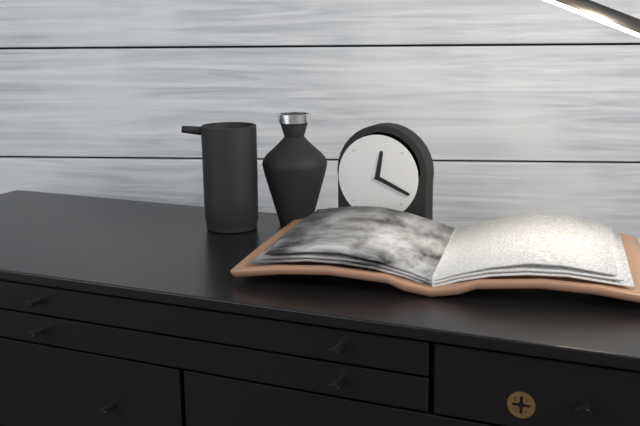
{"hour": 12, "minute": 19}
